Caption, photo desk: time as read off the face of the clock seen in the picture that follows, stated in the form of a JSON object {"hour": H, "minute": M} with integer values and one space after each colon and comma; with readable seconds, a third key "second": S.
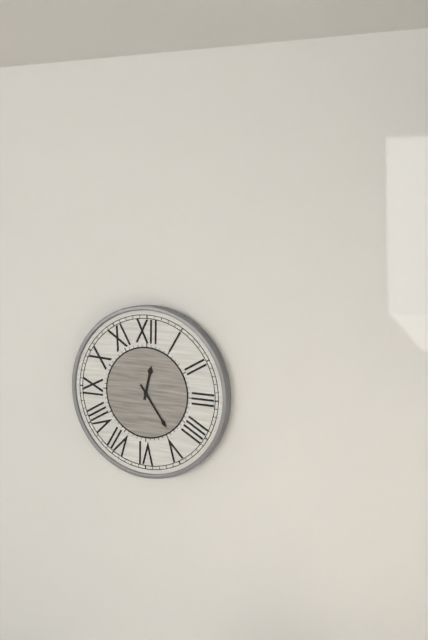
{"hour": 12, "minute": 24}
